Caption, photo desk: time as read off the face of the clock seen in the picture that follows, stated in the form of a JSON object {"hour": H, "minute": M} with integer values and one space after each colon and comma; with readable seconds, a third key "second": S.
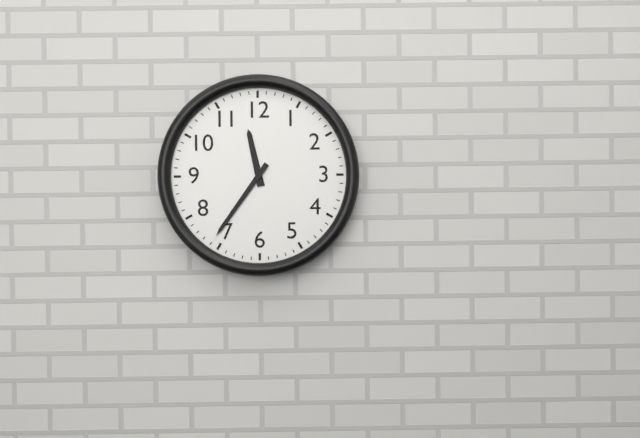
{"hour": 11, "minute": 36}
